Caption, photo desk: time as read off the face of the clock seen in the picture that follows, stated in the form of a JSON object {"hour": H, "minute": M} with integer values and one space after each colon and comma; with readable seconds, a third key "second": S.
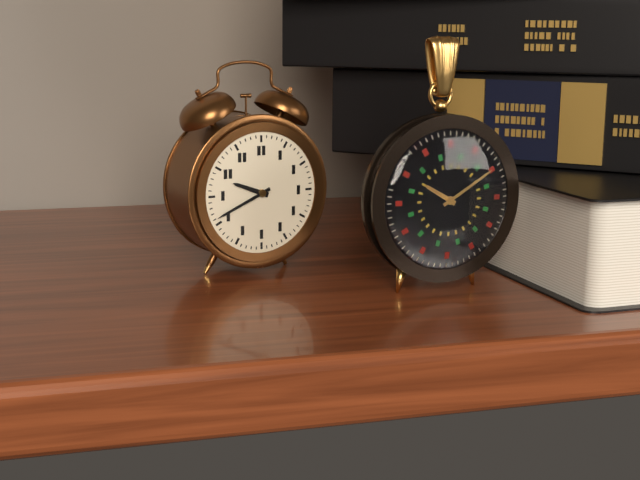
{"hour": 9, "minute": 41}
